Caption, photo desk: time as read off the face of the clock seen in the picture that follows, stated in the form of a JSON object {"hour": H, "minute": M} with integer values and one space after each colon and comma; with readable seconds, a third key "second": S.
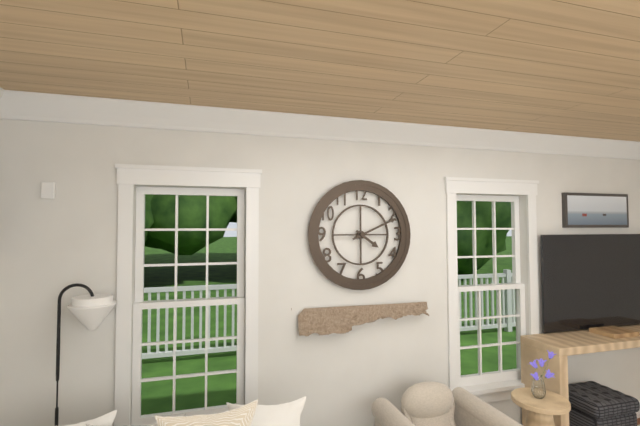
{"hour": 4, "minute": 11}
